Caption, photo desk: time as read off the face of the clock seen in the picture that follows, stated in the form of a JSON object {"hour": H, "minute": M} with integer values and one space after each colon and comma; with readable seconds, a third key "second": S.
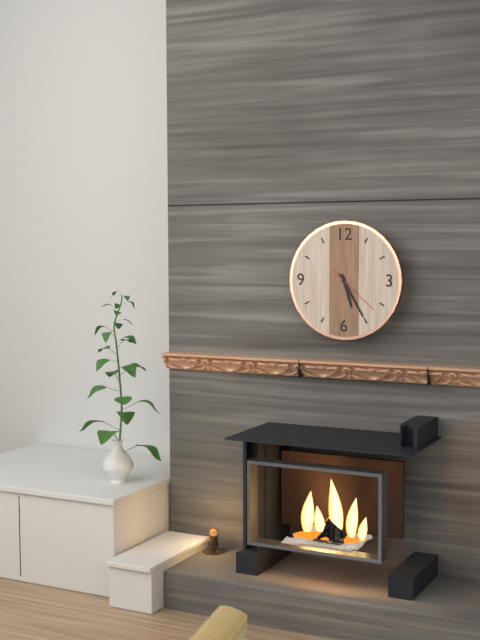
{"hour": 5, "minute": 25, "second": 22}
